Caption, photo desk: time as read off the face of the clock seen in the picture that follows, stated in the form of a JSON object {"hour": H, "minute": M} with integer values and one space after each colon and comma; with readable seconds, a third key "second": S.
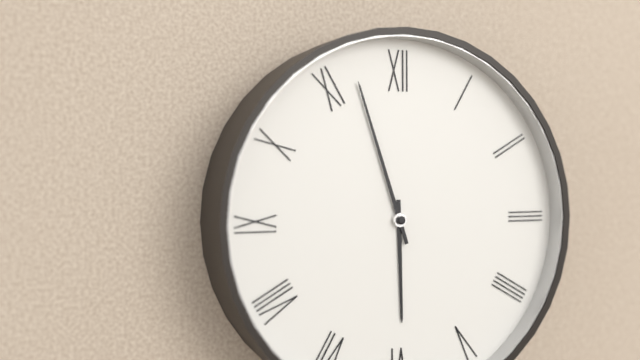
{"hour": 5, "minute": 57}
